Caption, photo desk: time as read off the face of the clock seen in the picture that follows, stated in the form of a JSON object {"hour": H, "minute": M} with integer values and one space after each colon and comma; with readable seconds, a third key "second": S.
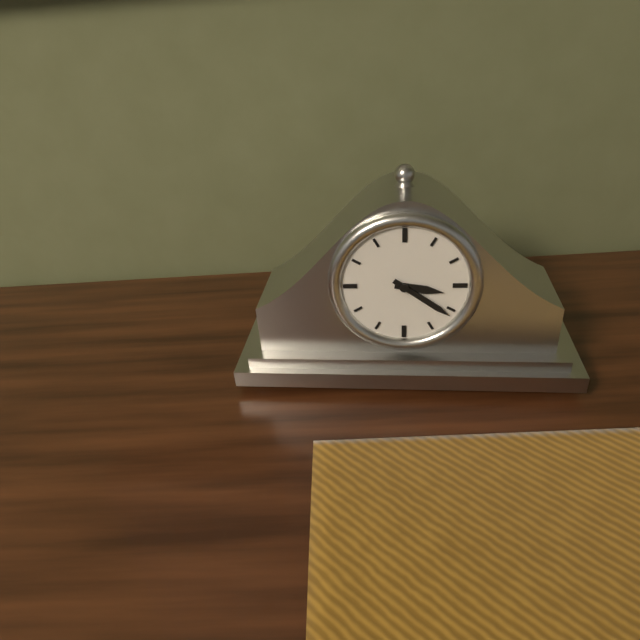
{"hour": 3, "minute": 21}
